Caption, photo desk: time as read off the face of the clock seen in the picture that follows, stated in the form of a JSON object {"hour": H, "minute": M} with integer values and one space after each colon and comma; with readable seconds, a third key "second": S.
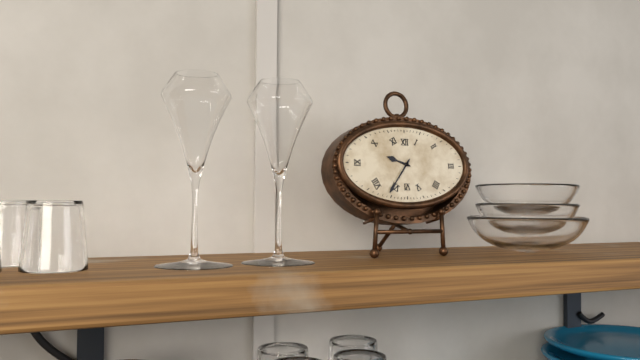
{"hour": 9, "minute": 36}
